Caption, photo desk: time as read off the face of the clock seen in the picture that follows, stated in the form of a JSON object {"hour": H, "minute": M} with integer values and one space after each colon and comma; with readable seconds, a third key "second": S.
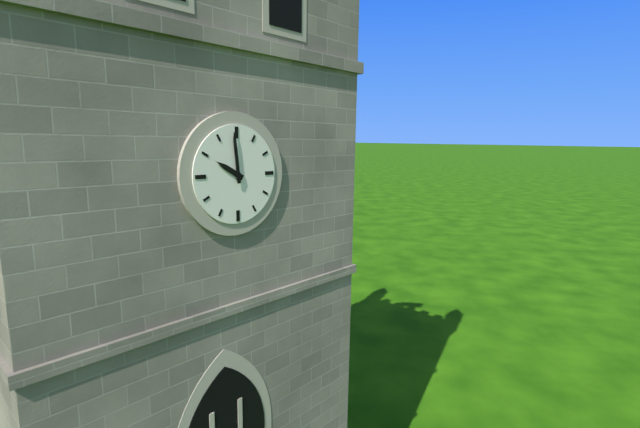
{"hour": 9, "minute": 59}
